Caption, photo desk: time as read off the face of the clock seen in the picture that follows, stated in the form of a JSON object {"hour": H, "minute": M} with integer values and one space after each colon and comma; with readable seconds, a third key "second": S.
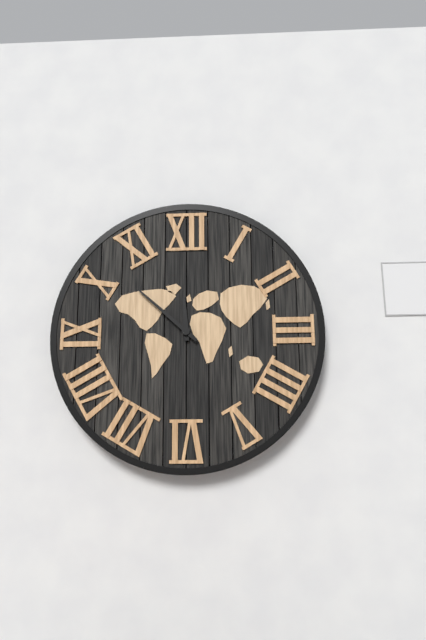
{"hour": 11, "minute": 52}
